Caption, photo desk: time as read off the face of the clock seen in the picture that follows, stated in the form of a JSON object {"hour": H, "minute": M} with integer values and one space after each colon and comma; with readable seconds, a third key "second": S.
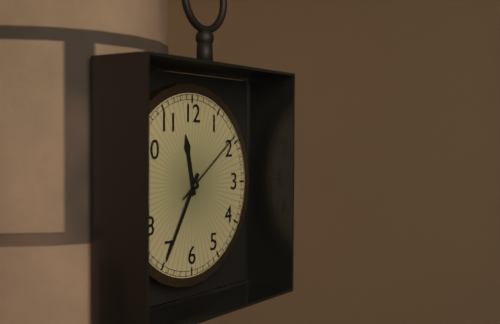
{"hour": 11, "minute": 35, "second": 9}
